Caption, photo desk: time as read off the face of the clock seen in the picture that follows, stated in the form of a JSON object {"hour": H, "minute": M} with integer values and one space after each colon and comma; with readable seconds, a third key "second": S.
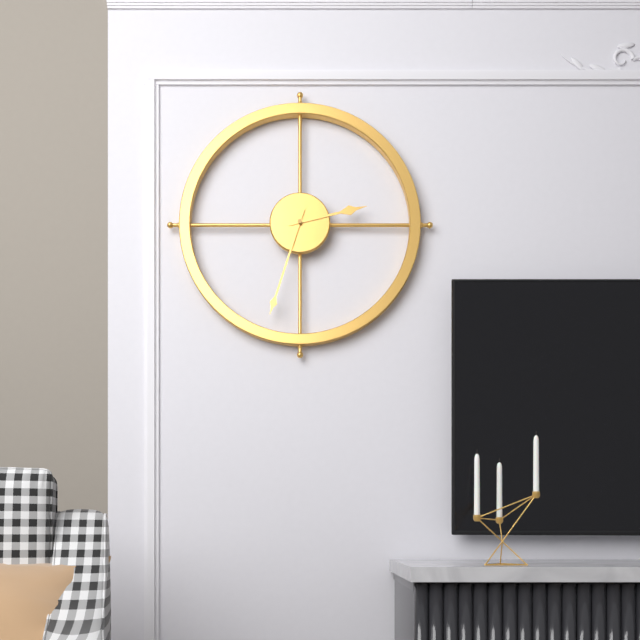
{"hour": 2, "minute": 33}
